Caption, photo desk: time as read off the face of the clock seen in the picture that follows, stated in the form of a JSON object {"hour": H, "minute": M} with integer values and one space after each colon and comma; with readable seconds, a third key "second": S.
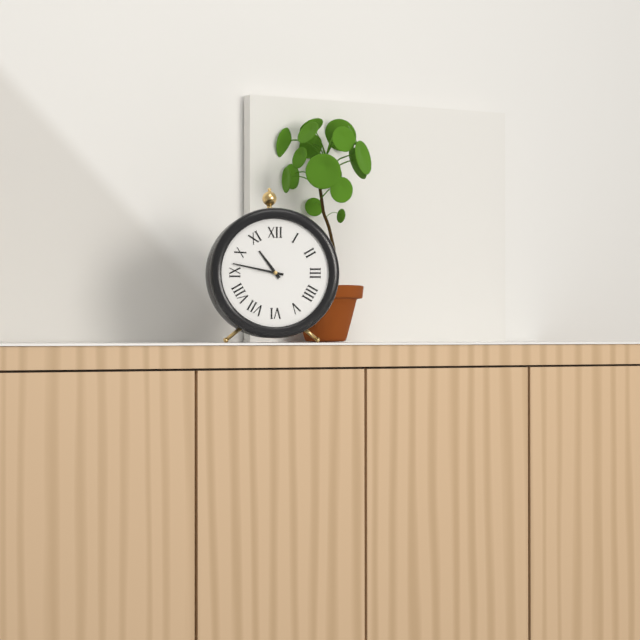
{"hour": 10, "minute": 47}
